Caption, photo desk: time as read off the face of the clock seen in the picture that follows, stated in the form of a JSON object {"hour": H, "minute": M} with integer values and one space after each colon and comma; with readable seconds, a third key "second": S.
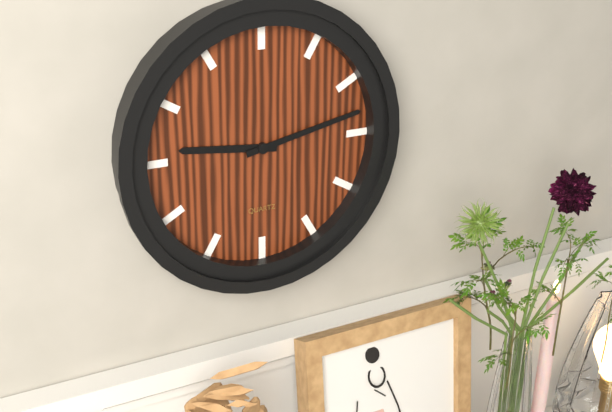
{"hour": 9, "minute": 13}
